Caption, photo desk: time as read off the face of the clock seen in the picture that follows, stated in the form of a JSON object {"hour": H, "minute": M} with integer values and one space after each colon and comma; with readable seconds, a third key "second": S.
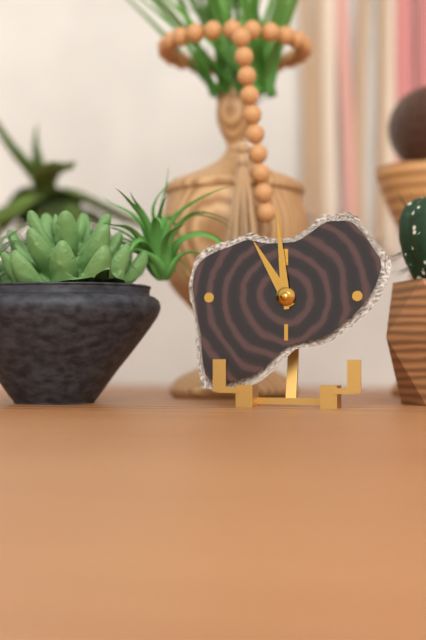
{"hour": 10, "minute": 59}
